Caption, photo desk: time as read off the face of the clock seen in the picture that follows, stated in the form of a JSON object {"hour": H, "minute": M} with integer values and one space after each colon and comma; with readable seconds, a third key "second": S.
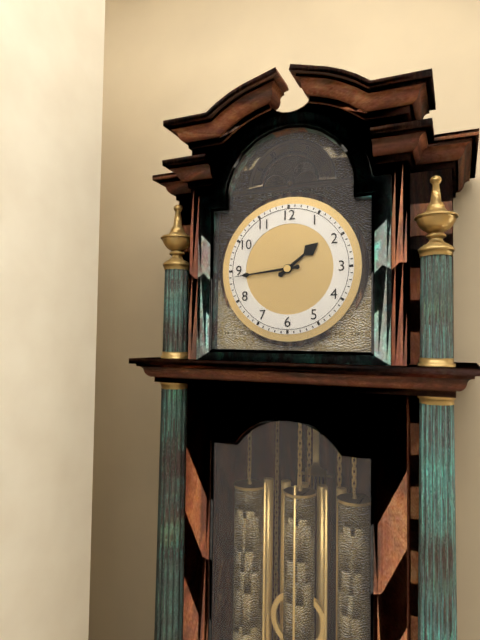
{"hour": 1, "minute": 44}
